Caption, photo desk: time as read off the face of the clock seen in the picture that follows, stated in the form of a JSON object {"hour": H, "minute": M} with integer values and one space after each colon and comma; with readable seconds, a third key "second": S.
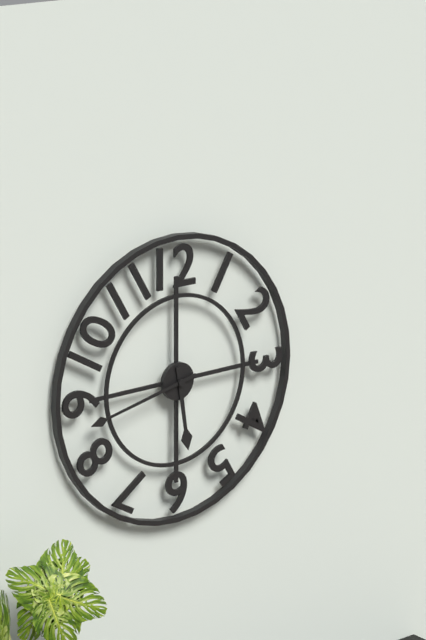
{"hour": 5, "minute": 43}
